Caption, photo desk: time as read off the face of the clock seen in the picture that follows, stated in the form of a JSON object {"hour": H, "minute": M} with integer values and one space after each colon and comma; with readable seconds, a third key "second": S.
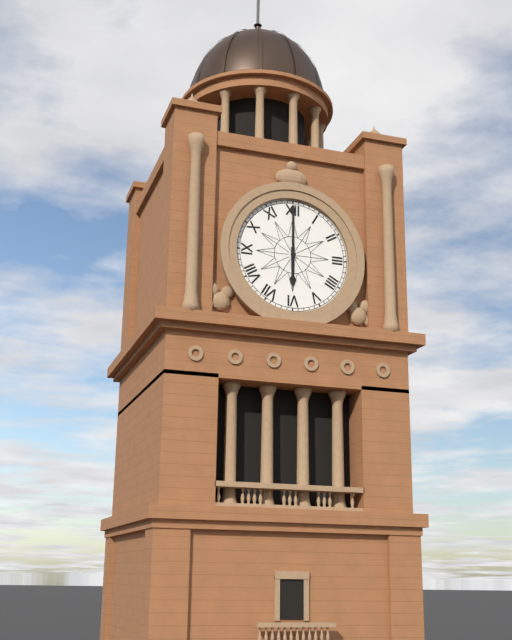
{"hour": 6, "minute": 0}
